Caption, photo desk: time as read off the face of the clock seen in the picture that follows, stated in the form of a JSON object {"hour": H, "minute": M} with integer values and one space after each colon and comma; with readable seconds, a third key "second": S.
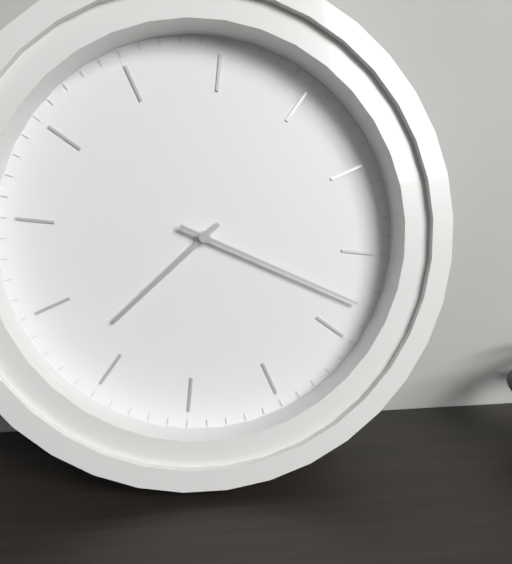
{"hour": 8, "minute": 23}
